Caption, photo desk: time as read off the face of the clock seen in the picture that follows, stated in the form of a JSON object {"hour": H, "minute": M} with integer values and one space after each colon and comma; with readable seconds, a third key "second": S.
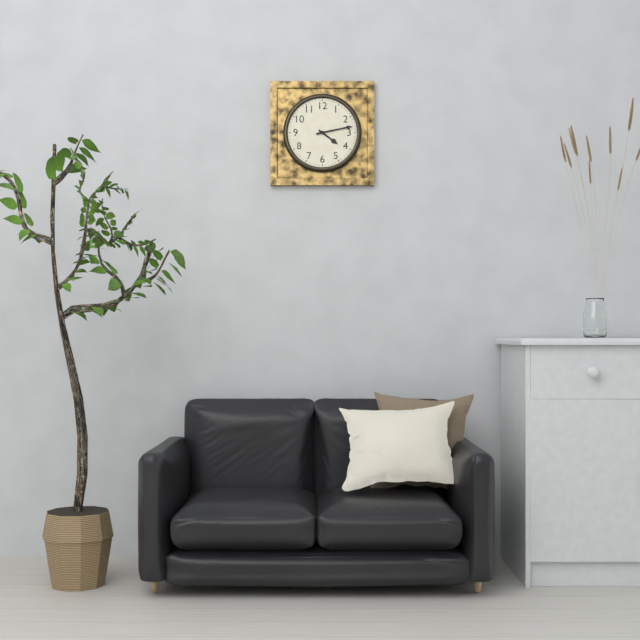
{"hour": 4, "minute": 13}
